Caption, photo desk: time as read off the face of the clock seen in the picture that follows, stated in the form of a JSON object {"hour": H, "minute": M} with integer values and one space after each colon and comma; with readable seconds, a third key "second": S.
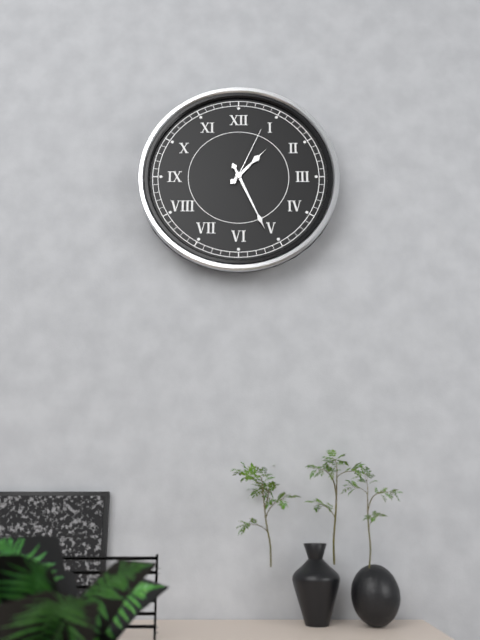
{"hour": 1, "minute": 26, "second": 4}
